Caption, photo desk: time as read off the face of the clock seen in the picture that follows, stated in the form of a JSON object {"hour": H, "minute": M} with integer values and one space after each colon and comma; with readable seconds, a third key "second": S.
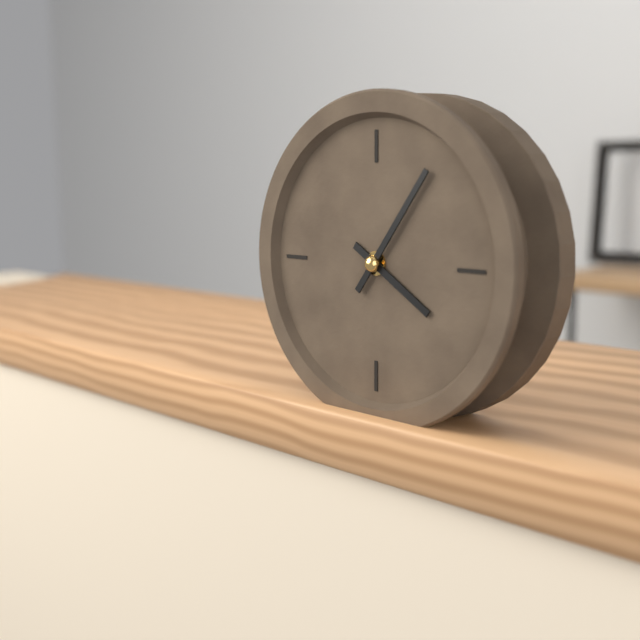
{"hour": 4, "minute": 6}
